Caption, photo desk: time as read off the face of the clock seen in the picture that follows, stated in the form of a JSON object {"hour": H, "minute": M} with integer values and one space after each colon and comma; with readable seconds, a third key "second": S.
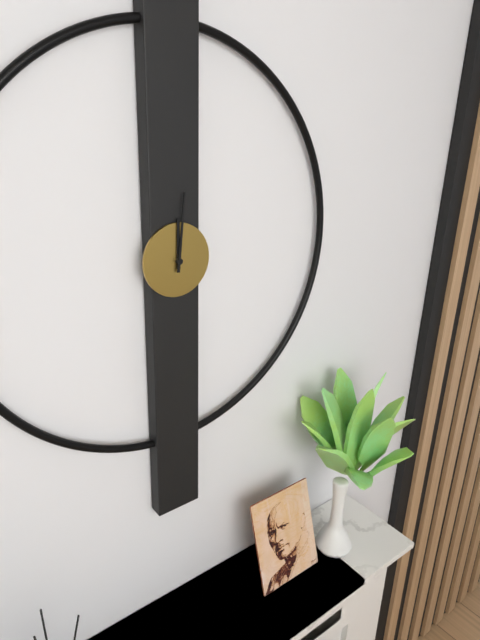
{"hour": 12, "minute": 1}
